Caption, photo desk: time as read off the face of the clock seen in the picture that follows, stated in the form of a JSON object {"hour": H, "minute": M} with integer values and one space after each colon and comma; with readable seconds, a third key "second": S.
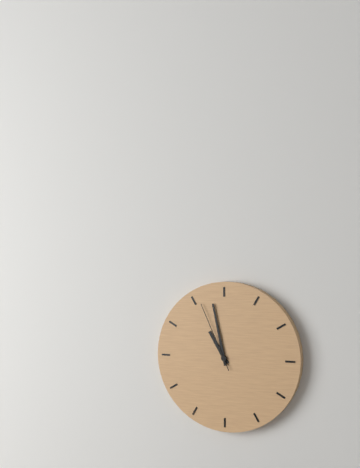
{"hour": 10, "minute": 58, "second": 56}
